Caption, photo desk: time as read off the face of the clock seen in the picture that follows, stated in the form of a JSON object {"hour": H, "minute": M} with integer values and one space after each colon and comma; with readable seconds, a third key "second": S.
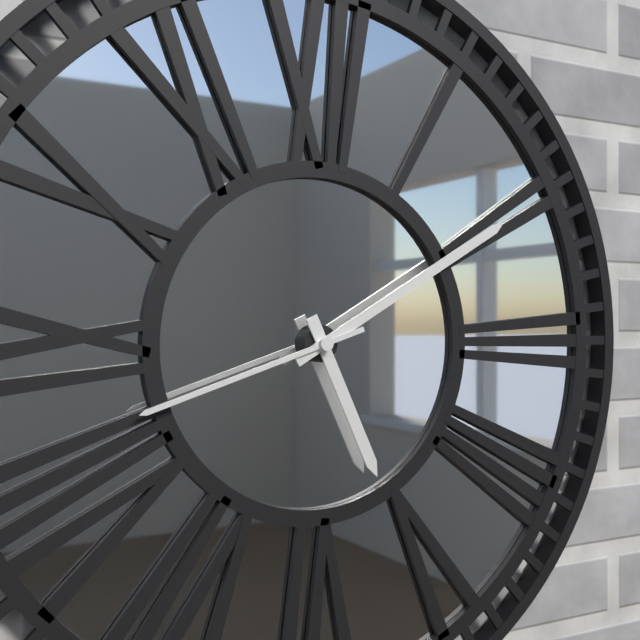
{"hour": 5, "minute": 10, "second": 42}
